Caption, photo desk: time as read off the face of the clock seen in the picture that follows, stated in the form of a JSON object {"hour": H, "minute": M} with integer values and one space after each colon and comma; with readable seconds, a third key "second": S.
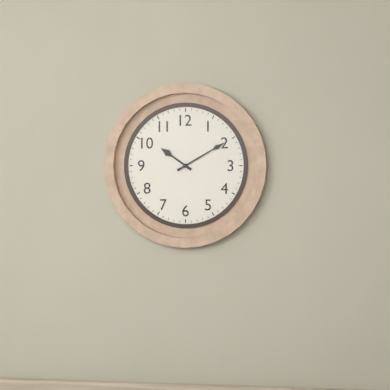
{"hour": 10, "minute": 10}
